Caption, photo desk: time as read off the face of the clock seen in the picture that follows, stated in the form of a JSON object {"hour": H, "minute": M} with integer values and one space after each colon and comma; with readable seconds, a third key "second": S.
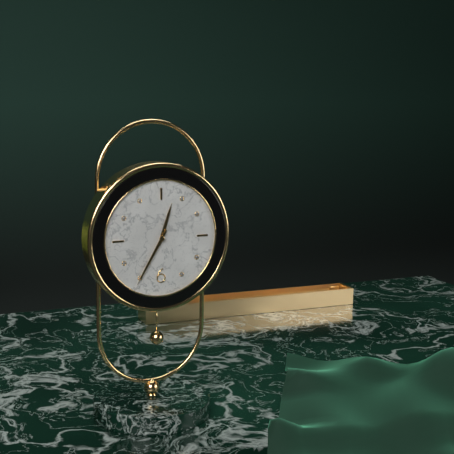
{"hour": 12, "minute": 35}
